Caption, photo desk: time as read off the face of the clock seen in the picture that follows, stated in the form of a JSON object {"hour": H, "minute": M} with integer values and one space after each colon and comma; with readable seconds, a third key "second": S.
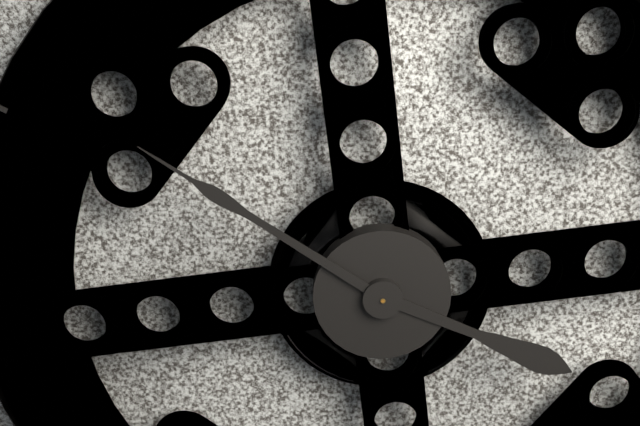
{"hour": 3, "minute": 51}
